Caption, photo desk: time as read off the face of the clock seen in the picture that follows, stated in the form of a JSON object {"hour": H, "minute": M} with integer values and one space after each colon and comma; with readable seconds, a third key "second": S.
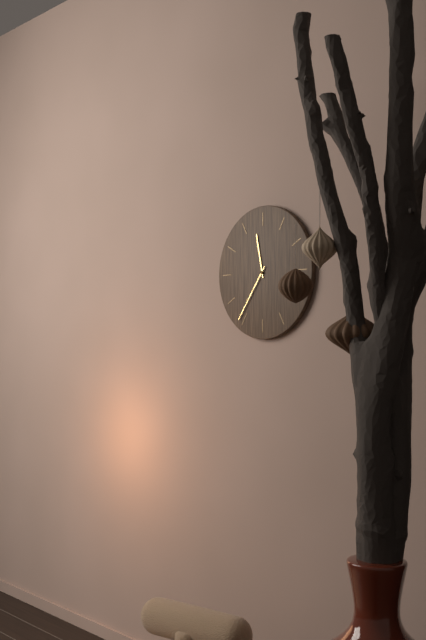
{"hour": 11, "minute": 36}
